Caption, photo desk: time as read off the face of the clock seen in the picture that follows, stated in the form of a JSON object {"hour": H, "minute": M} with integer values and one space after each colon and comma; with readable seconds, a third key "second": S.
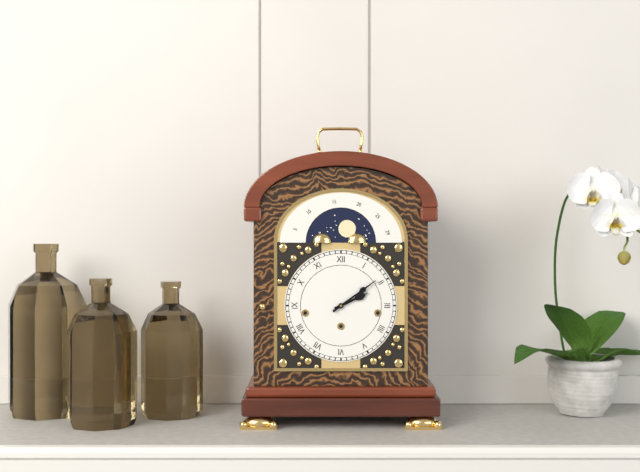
{"hour": 2, "minute": 9}
